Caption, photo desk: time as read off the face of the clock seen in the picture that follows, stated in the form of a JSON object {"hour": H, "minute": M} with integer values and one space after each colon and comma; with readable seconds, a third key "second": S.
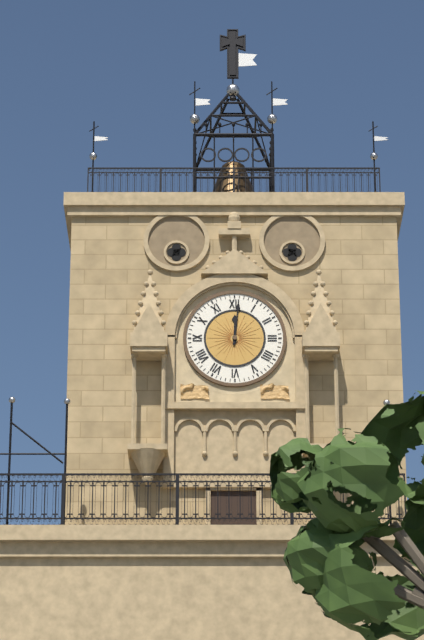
{"hour": 12, "minute": 1}
